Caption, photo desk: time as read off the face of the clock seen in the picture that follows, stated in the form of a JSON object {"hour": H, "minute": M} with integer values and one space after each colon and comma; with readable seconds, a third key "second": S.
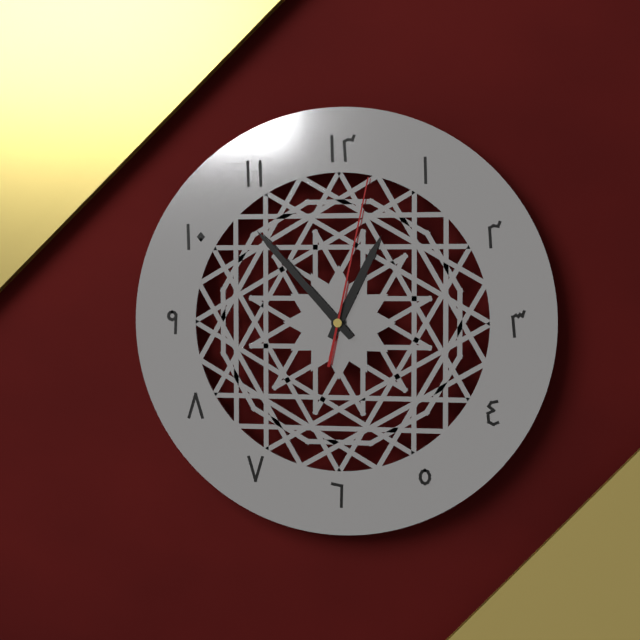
{"hour": 12, "minute": 53, "second": 2}
